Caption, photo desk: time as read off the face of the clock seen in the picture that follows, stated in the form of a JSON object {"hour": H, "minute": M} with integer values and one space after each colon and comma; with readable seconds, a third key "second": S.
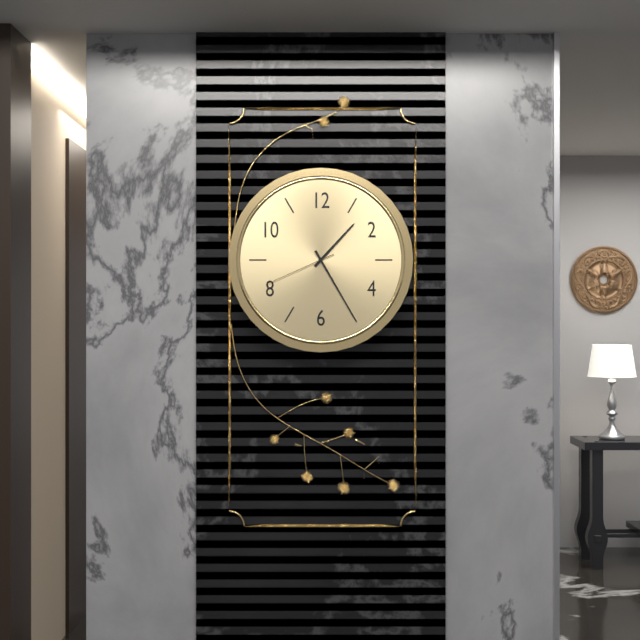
{"hour": 1, "minute": 25, "second": 41}
